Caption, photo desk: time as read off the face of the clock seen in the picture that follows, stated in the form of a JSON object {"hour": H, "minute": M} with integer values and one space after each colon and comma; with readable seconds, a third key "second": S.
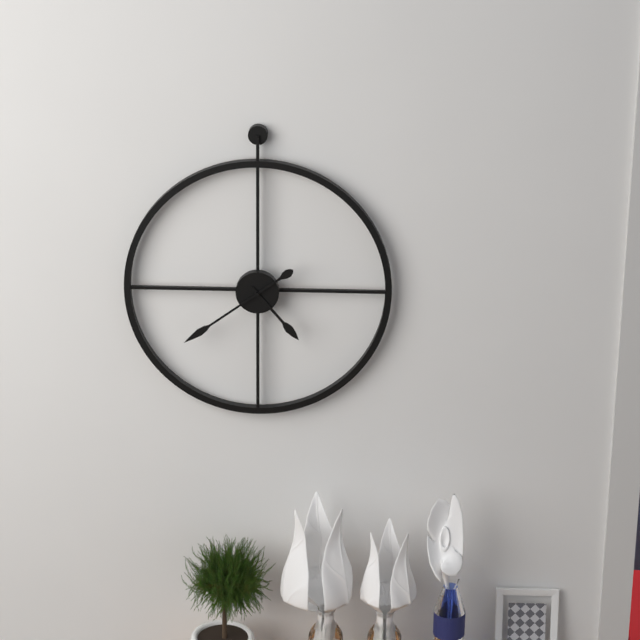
{"hour": 4, "minute": 39}
